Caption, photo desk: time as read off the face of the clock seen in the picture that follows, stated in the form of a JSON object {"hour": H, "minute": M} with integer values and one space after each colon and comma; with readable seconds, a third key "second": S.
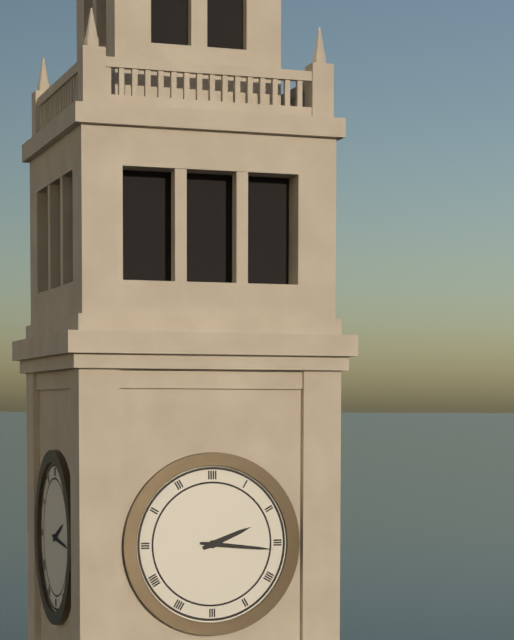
{"hour": 2, "minute": 16}
